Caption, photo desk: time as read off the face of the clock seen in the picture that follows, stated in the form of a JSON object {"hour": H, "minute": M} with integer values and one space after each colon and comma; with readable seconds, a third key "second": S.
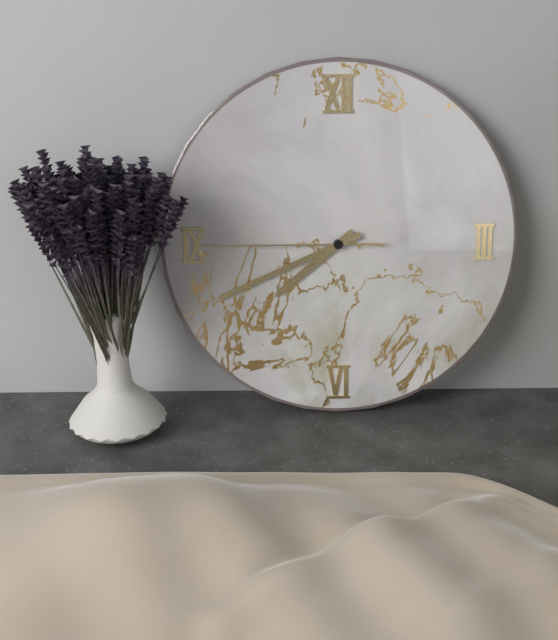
{"hour": 7, "minute": 41, "second": 45}
